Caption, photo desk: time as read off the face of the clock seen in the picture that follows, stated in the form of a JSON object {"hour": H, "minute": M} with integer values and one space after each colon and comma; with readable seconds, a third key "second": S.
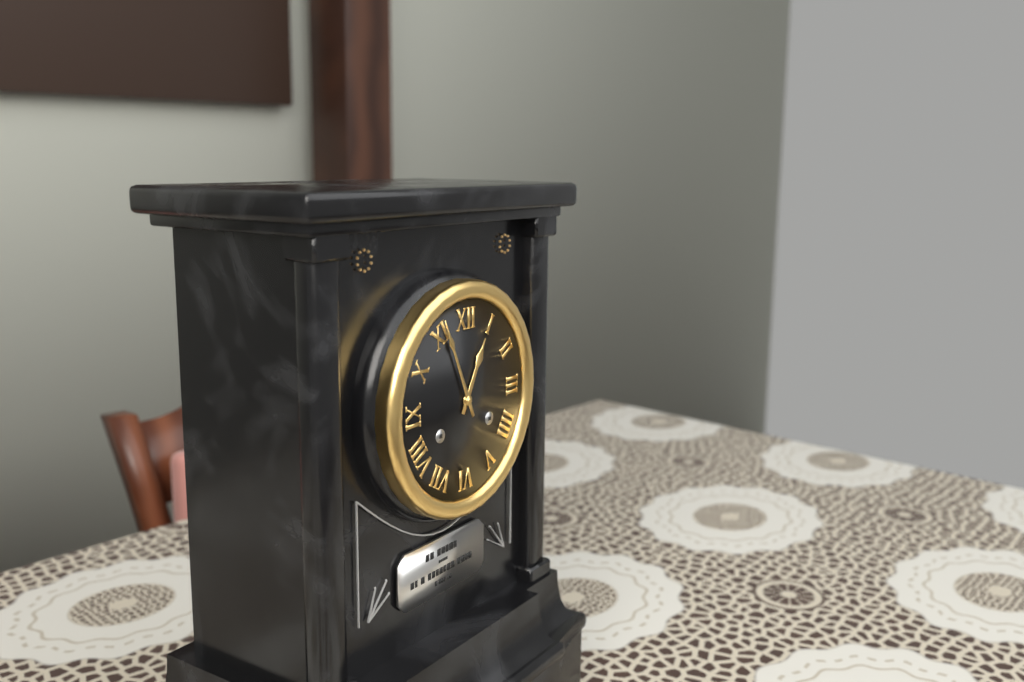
{"hour": 12, "minute": 56}
